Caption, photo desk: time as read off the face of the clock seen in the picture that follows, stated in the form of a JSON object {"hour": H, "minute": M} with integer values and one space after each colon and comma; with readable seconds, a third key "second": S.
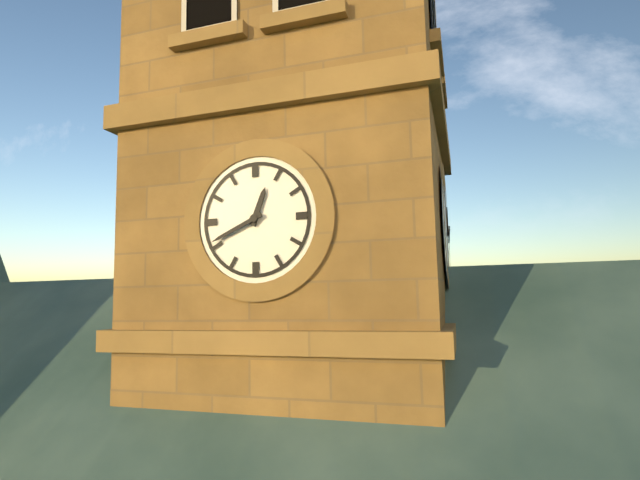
{"hour": 12, "minute": 41}
